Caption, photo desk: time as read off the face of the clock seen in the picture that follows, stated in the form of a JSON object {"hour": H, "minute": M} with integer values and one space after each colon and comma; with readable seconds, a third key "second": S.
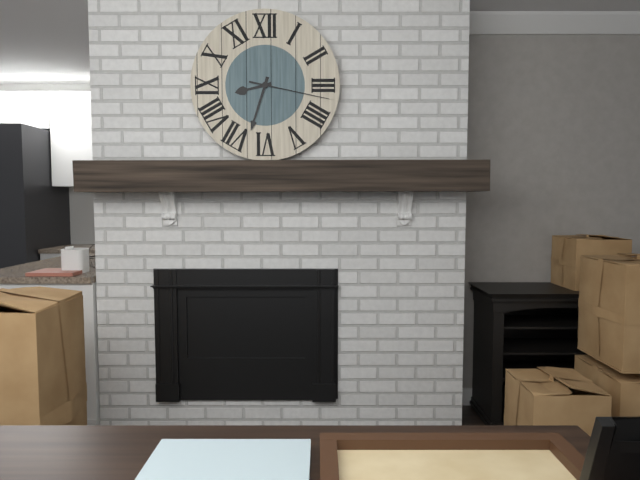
{"hour": 8, "minute": 33, "second": 17}
